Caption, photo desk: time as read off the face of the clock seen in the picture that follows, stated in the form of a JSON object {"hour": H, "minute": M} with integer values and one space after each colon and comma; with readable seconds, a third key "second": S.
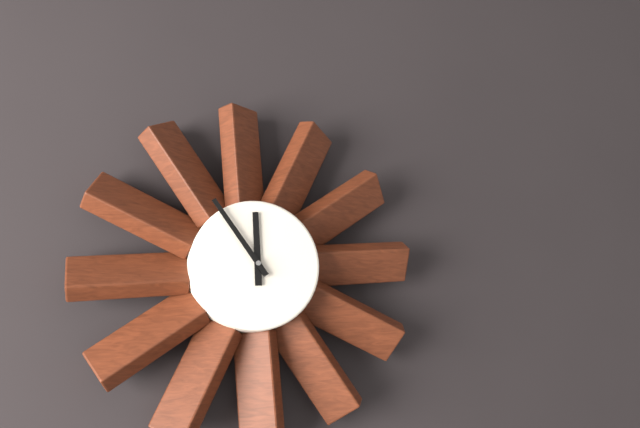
{"hour": 11, "minute": 54}
